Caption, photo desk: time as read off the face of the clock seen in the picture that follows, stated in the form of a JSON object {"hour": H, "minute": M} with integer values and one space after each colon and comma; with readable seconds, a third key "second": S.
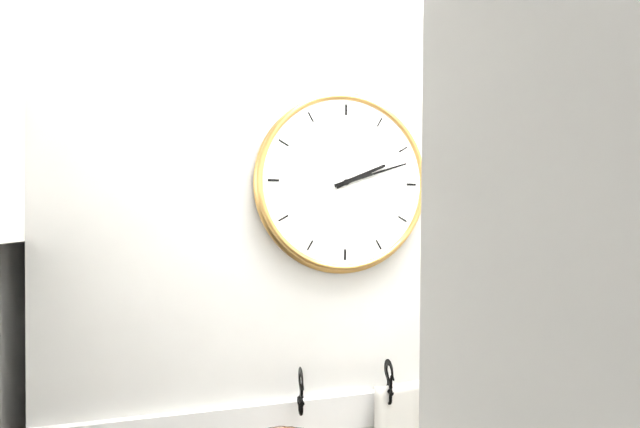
{"hour": 2, "minute": 12}
